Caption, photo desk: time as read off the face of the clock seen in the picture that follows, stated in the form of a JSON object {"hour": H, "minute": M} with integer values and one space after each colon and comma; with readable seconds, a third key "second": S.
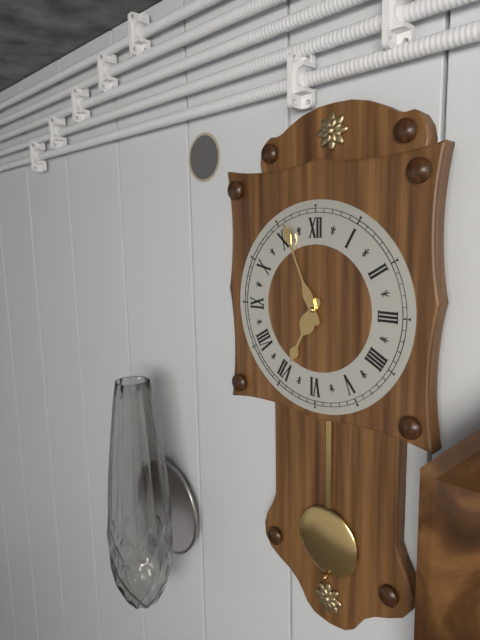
{"hour": 6, "minute": 56}
